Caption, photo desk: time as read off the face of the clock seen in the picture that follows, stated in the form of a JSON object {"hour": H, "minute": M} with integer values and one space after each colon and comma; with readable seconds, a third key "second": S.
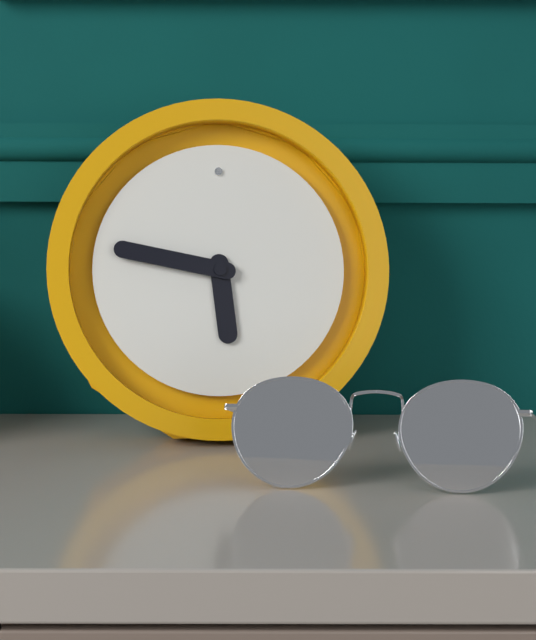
{"hour": 5, "minute": 47}
